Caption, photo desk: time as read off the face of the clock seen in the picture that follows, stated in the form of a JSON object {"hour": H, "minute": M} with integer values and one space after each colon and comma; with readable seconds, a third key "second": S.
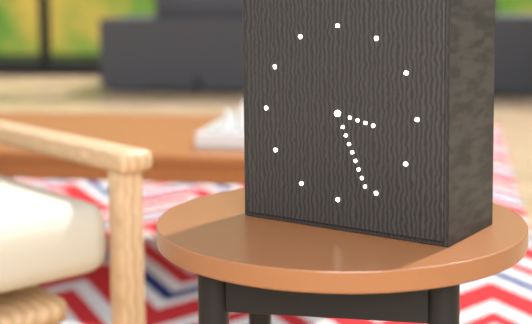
{"hour": 3, "minute": 26}
